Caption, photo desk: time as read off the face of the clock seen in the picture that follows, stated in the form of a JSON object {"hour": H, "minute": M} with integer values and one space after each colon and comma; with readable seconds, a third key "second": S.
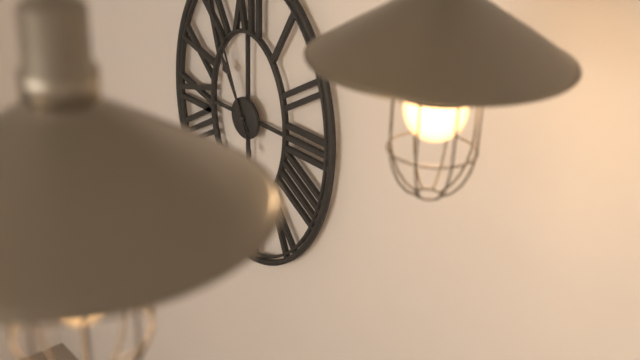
{"hour": 10, "minute": 56}
